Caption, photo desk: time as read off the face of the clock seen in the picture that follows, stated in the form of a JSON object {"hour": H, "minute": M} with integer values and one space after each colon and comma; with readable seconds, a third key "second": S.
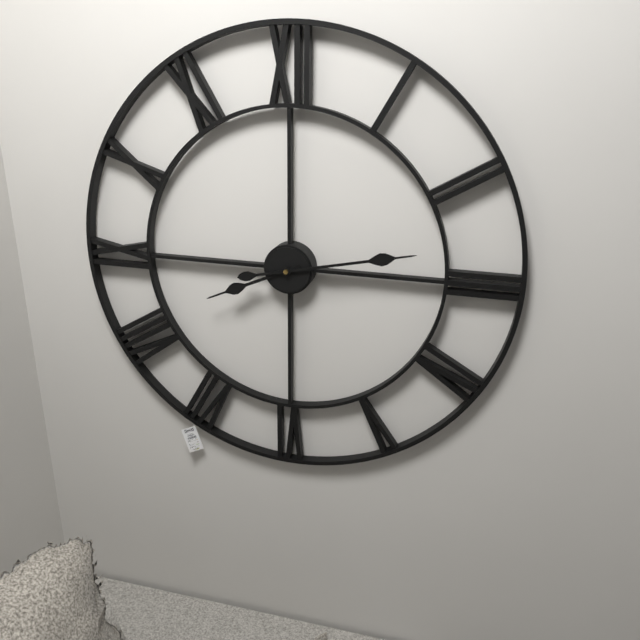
{"hour": 8, "minute": 13}
